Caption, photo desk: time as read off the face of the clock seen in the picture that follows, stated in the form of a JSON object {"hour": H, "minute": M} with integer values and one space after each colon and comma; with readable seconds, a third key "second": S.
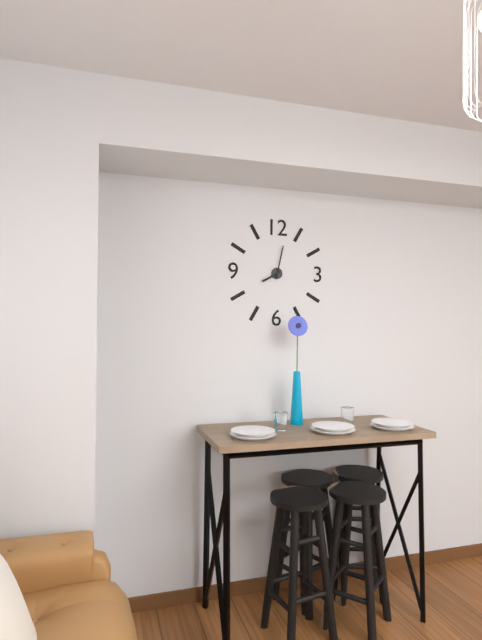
{"hour": 8, "minute": 2}
